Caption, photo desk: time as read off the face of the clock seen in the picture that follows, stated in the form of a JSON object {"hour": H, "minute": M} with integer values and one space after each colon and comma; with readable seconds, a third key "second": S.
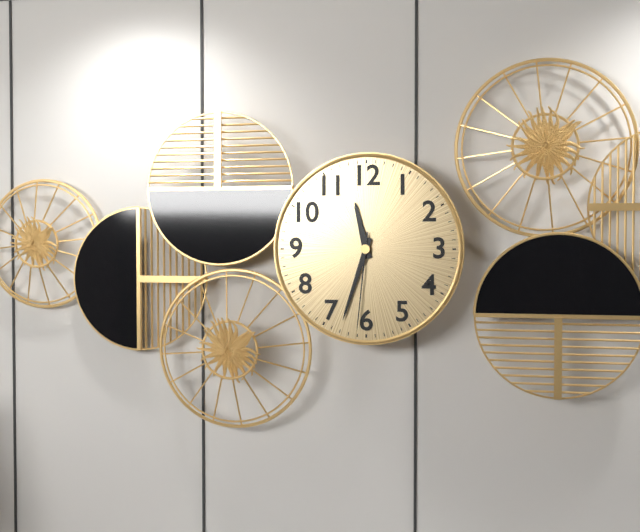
{"hour": 11, "minute": 33, "second": 31}
